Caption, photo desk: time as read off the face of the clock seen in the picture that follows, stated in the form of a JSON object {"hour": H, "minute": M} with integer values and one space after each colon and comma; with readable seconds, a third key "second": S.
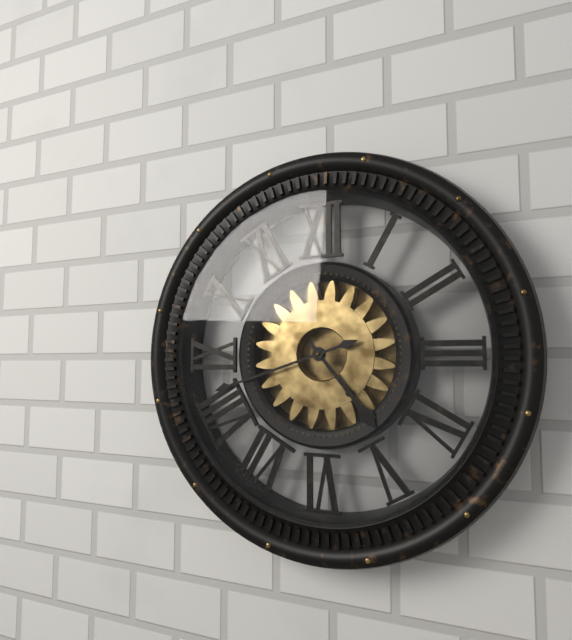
{"hour": 4, "minute": 42}
